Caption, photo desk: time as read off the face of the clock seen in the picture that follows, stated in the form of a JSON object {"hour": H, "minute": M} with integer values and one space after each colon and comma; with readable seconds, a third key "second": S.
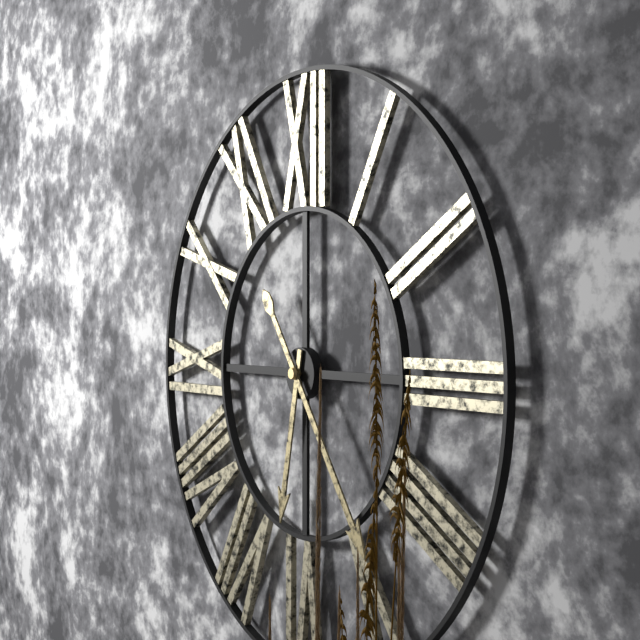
{"hour": 6, "minute": 24}
